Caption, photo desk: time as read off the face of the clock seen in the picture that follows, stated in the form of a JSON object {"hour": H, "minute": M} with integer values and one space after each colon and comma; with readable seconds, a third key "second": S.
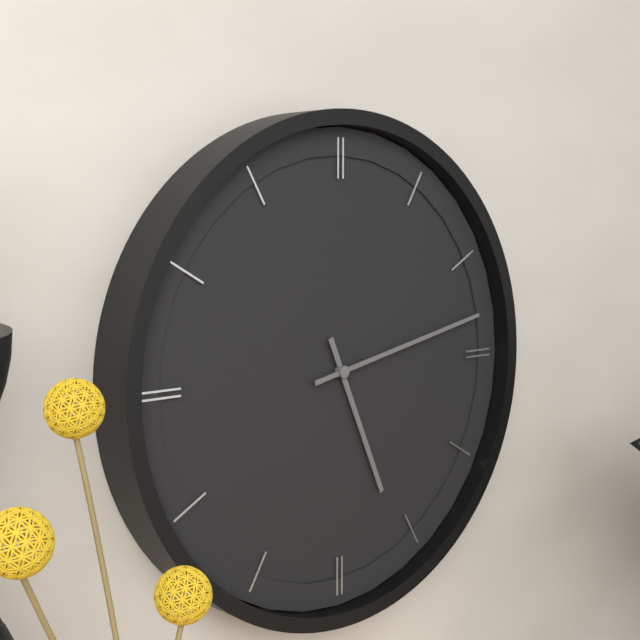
{"hour": 5, "minute": 13}
